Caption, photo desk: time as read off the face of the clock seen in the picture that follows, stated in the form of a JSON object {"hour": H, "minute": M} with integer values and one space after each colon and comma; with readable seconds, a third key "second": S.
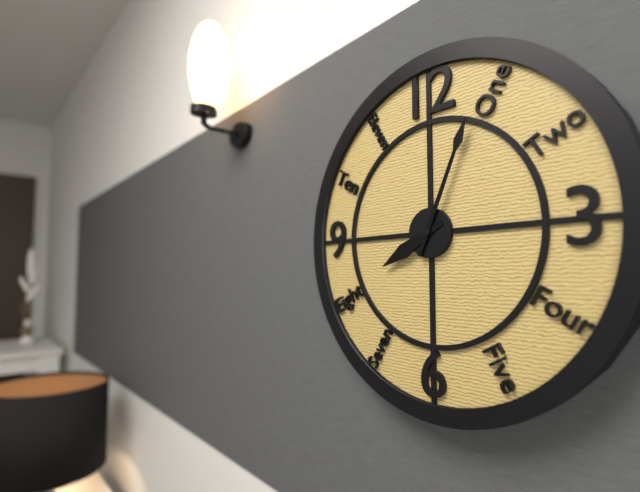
{"hour": 8, "minute": 4}
